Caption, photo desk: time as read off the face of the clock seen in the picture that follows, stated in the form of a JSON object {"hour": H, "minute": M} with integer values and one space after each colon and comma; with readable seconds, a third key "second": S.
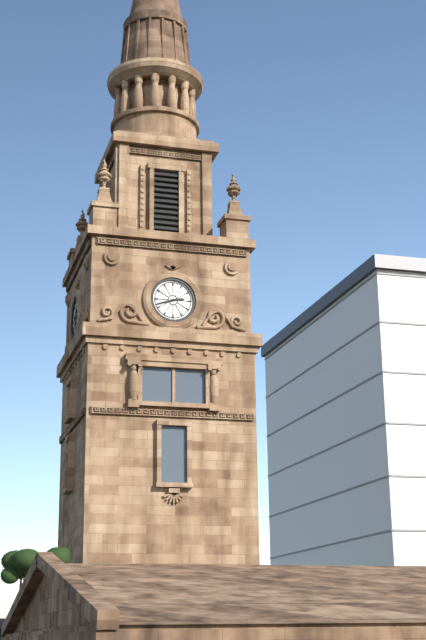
{"hour": 2, "minute": 42}
